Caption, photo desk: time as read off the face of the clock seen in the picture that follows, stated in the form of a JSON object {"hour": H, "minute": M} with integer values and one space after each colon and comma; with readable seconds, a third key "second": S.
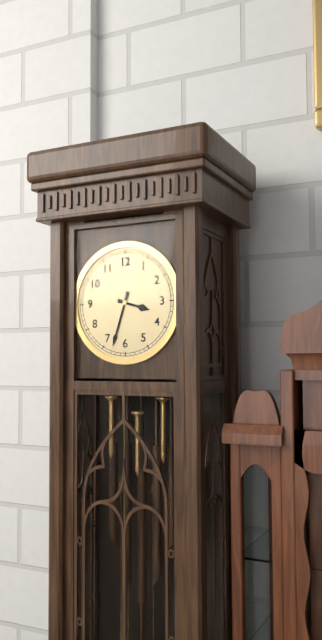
{"hour": 3, "minute": 33}
